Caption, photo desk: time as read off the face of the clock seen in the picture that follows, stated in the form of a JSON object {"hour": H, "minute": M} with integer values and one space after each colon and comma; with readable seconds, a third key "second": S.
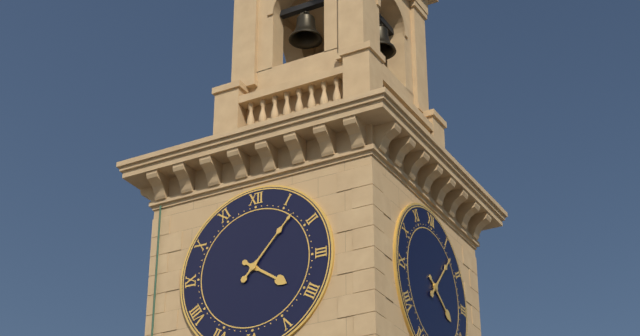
{"hour": 4, "minute": 7}
